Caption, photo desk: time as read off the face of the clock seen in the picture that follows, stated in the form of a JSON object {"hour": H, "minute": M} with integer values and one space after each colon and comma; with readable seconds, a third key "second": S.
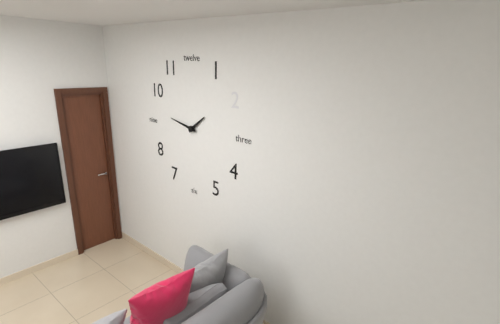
{"hour": 1, "minute": 47}
